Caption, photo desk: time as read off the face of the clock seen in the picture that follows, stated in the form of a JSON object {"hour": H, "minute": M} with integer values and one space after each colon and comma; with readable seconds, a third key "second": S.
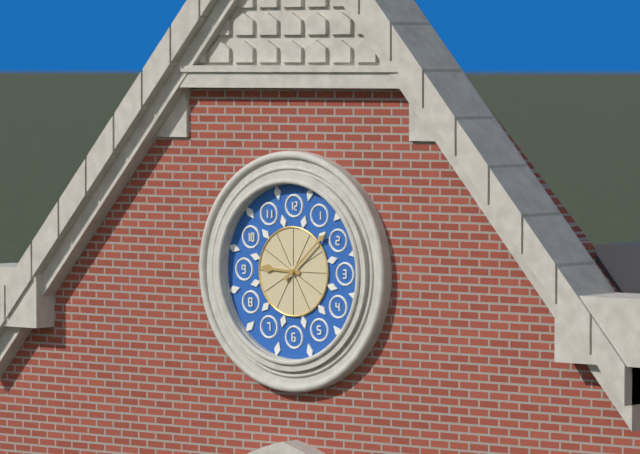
{"hour": 9, "minute": 8}
